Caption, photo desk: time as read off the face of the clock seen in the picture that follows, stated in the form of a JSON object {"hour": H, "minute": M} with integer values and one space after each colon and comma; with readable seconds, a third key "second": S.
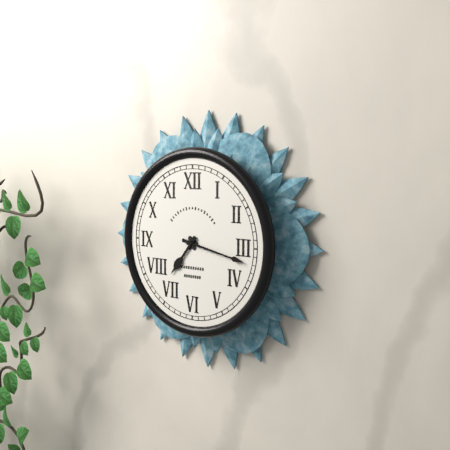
{"hour": 7, "minute": 17}
